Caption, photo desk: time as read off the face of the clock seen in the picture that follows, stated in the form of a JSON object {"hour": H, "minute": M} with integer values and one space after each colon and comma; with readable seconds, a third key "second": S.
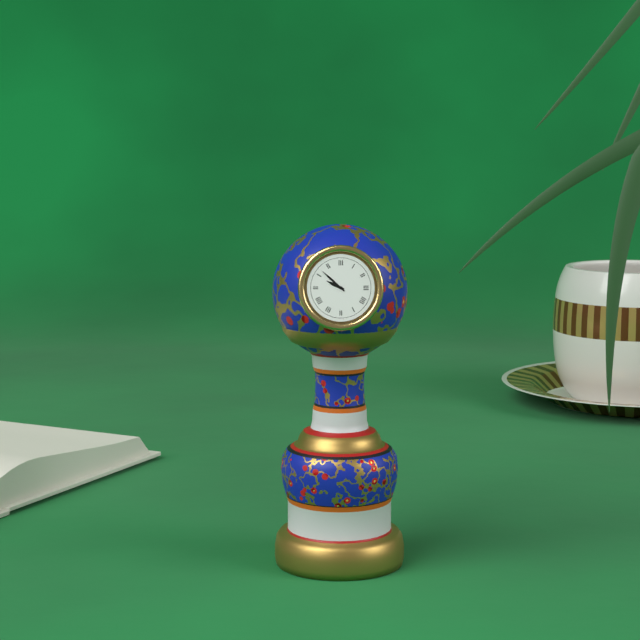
{"hour": 9, "minute": 52}
